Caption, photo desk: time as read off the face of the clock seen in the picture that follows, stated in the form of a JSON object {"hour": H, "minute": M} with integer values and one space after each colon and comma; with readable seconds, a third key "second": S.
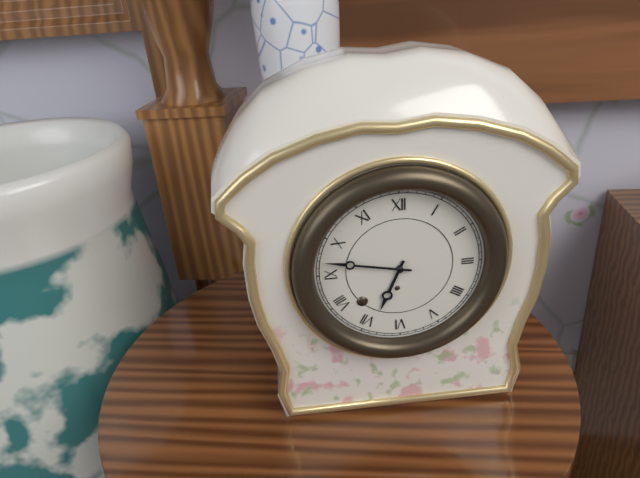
{"hour": 6, "minute": 47}
